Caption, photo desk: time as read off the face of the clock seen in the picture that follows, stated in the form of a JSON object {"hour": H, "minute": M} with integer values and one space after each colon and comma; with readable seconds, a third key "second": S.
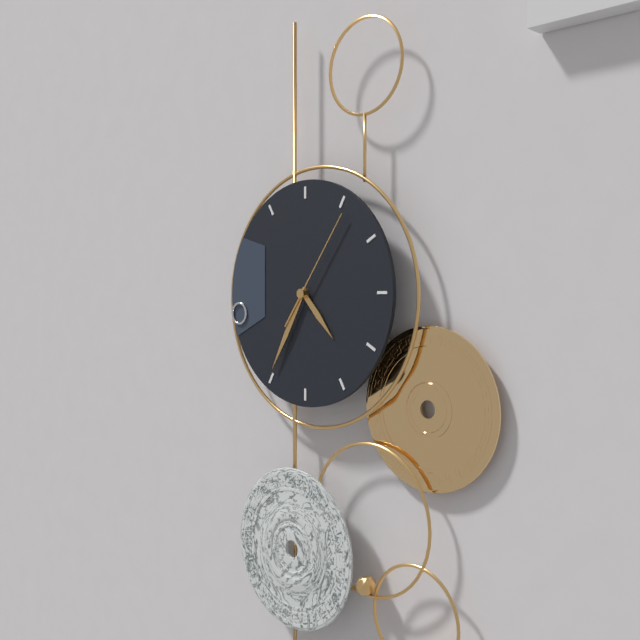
{"hour": 4, "minute": 35, "second": 6}
